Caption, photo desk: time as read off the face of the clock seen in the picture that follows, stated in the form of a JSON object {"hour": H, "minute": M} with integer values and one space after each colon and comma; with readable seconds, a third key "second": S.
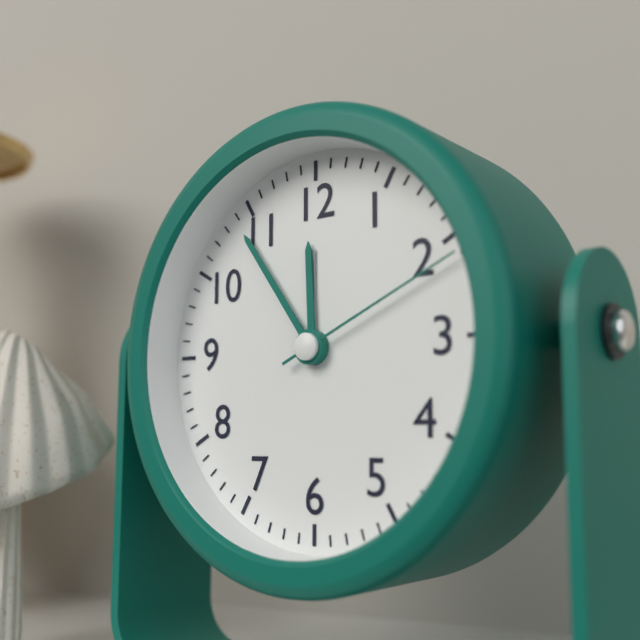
{"hour": 11, "minute": 54, "second": 11}
